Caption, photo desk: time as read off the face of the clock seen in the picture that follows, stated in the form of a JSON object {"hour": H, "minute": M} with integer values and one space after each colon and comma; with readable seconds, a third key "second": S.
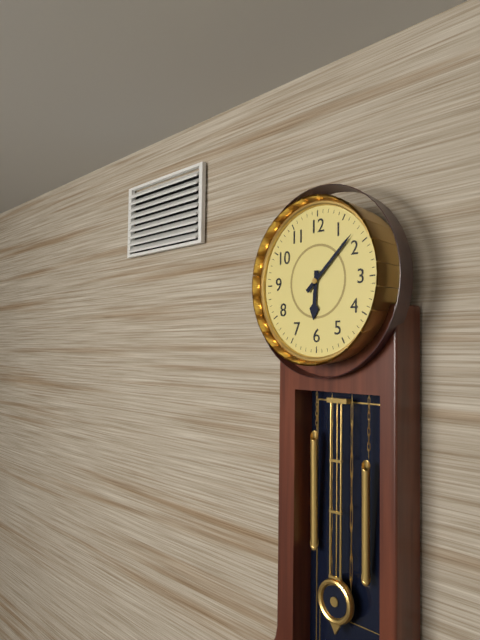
{"hour": 6, "minute": 8}
